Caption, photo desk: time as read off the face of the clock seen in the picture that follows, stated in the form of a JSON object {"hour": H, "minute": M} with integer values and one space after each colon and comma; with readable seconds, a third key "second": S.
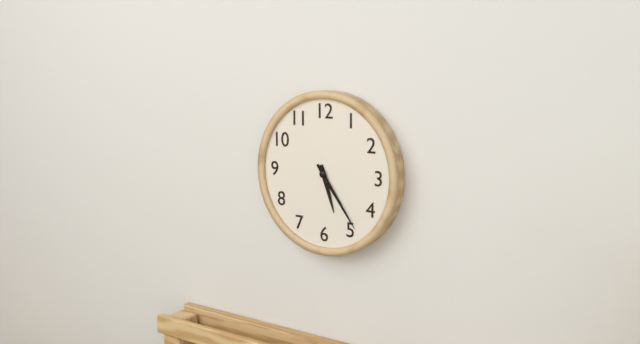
{"hour": 5, "minute": 24}
